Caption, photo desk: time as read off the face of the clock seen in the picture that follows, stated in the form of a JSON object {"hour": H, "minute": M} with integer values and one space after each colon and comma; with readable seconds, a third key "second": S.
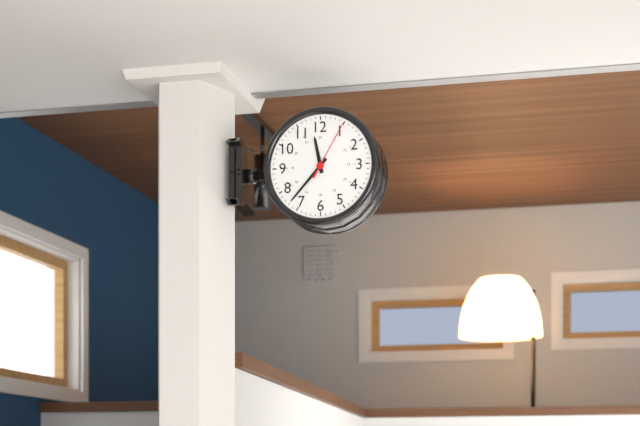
{"hour": 11, "minute": 37, "second": 5}
